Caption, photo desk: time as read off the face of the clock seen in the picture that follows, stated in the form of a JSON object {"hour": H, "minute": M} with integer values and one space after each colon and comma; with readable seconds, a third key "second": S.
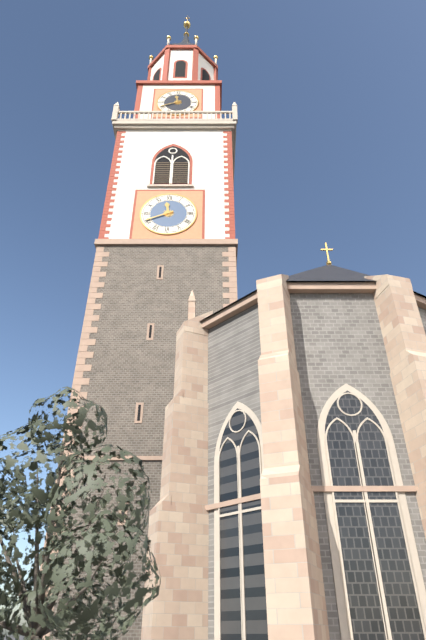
{"hour": 11, "minute": 41}
